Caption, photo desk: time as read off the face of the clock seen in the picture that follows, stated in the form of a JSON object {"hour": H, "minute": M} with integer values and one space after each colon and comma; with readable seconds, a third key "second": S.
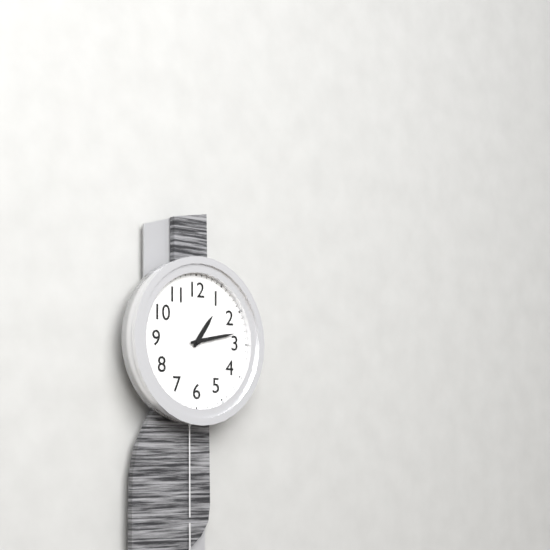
{"hour": 1, "minute": 13}
